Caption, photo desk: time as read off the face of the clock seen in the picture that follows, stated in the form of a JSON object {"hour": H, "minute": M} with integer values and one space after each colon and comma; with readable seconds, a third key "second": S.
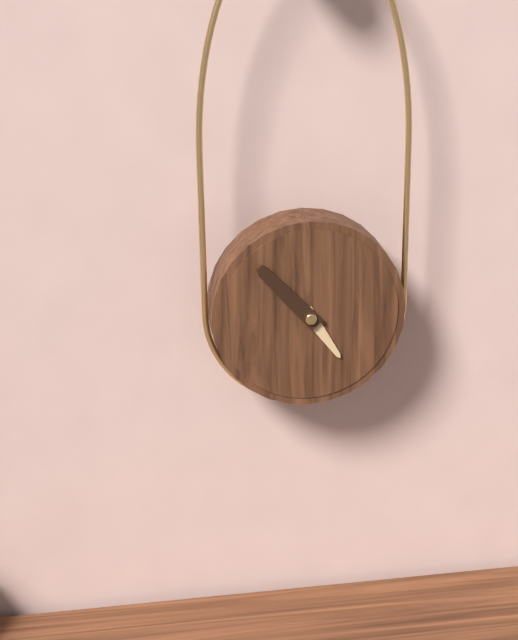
{"hour": 4, "minute": 53}
